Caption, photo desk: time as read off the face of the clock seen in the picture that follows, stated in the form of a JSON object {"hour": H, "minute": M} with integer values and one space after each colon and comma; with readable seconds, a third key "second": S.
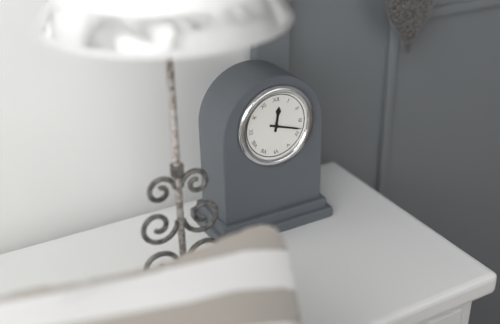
{"hour": 12, "minute": 18}
